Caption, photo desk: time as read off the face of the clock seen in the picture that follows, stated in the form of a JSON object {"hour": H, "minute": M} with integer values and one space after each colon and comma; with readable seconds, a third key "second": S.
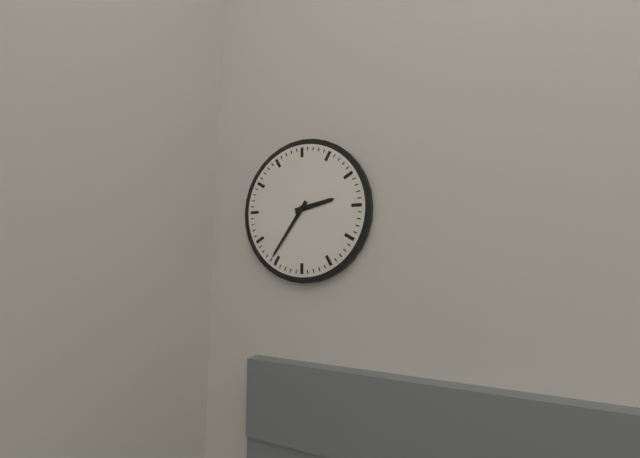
{"hour": 2, "minute": 36}
